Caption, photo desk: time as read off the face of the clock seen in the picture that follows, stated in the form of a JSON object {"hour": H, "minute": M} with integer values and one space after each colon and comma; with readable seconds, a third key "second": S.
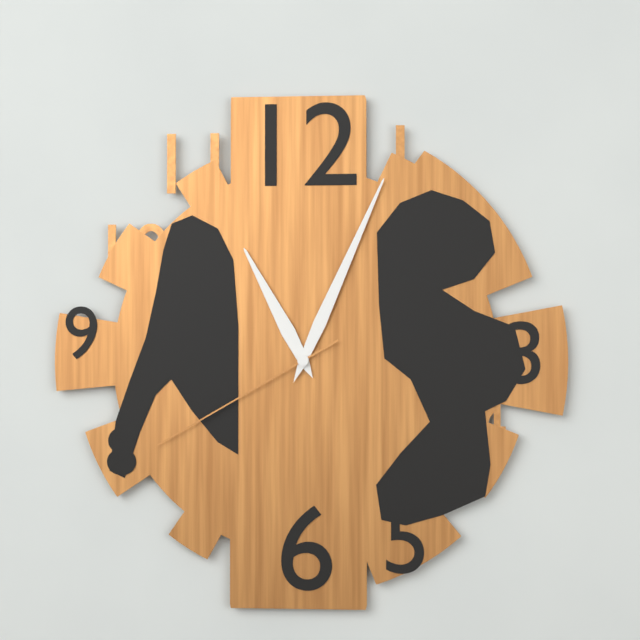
{"hour": 11, "minute": 4, "second": 40}
